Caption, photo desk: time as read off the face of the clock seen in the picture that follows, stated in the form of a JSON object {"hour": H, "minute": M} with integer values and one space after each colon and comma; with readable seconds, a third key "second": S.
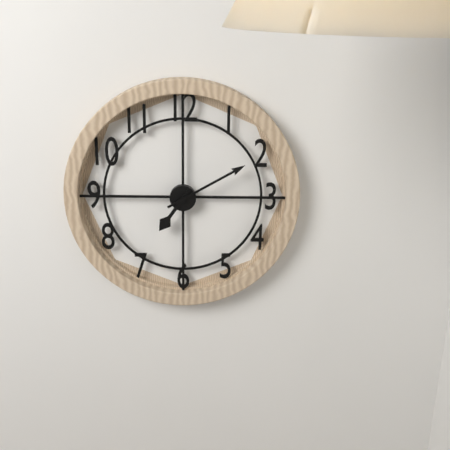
{"hour": 7, "minute": 10}
